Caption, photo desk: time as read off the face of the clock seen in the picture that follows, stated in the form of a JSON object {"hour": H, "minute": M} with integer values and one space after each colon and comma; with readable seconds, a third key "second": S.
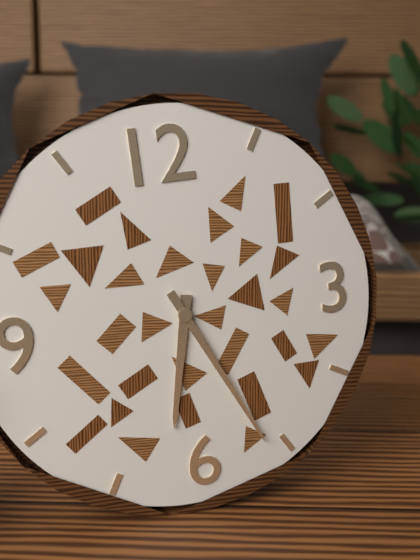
{"hour": 6, "minute": 26}
